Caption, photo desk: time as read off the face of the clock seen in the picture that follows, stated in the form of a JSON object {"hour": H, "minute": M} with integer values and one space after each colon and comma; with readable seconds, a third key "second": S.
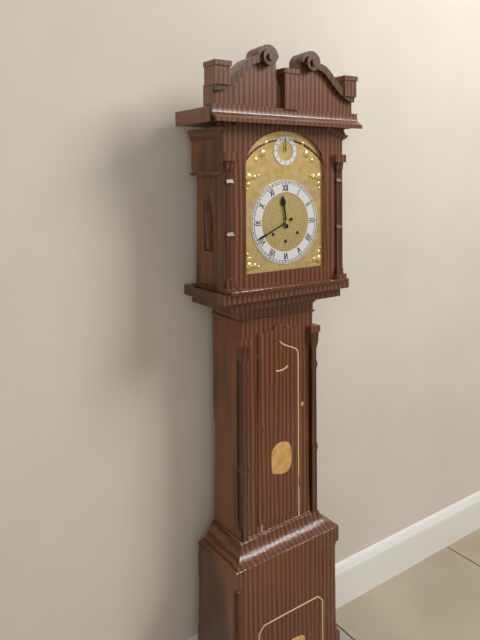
{"hour": 11, "minute": 41}
